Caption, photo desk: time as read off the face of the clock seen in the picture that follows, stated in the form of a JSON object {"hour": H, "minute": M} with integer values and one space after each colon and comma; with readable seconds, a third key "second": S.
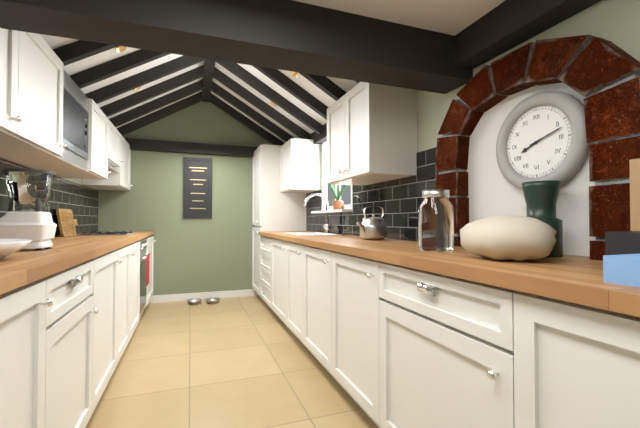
{"hour": 8, "minute": 12}
